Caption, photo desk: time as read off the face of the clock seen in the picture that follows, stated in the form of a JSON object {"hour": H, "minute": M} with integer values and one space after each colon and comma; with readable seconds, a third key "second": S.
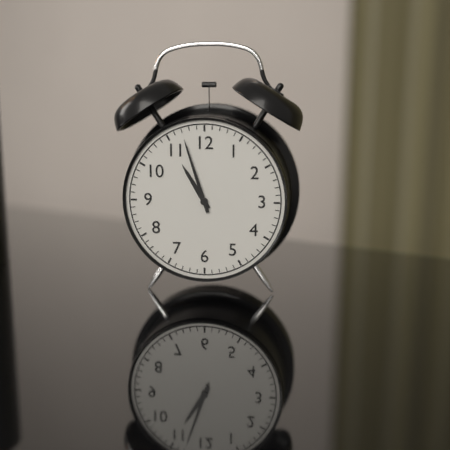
{"hour": 10, "minute": 57}
